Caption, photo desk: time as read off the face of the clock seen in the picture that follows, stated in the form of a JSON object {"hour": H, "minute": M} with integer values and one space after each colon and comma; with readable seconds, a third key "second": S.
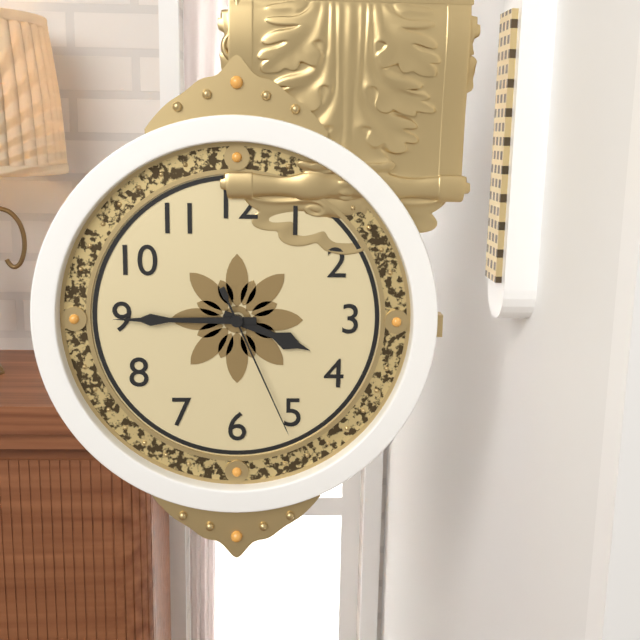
{"hour": 3, "minute": 45, "second": 26}
